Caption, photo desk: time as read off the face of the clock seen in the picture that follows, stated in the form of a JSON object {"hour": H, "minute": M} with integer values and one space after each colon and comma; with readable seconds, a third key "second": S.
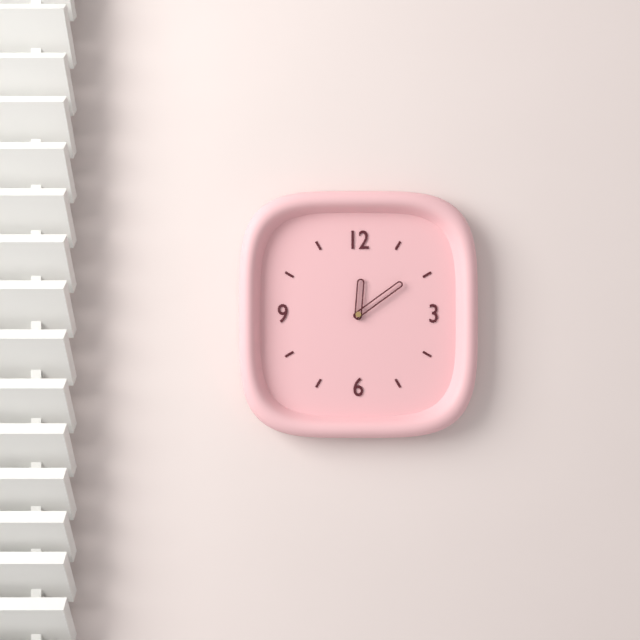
{"hour": 12, "minute": 9}
